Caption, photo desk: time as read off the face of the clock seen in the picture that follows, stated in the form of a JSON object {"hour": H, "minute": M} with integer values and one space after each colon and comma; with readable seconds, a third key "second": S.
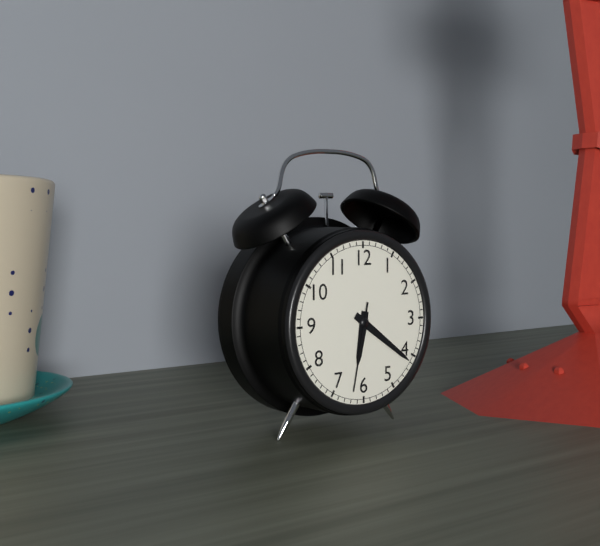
{"hour": 6, "minute": 21, "second": 32}
